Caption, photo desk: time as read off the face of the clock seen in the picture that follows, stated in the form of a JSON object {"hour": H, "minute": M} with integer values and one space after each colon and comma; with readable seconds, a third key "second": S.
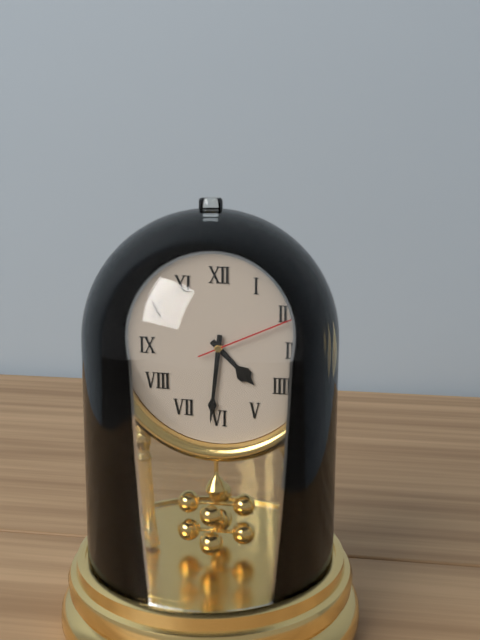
{"hour": 4, "minute": 31, "second": 11}
